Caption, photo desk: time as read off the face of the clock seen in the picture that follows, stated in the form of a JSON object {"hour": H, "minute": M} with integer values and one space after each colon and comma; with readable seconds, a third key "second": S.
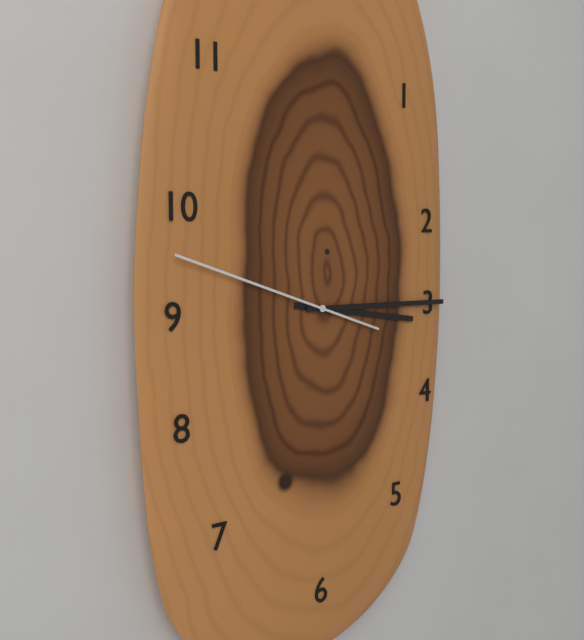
{"hour": 3, "minute": 15, "second": 48}
